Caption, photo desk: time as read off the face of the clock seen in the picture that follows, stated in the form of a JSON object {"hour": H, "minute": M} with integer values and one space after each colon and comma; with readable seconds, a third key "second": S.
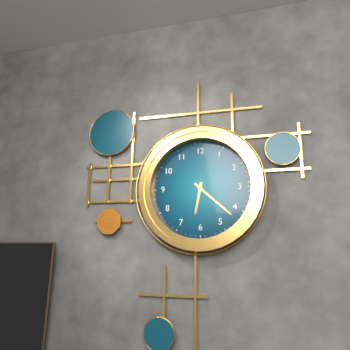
{"hour": 6, "minute": 22}
